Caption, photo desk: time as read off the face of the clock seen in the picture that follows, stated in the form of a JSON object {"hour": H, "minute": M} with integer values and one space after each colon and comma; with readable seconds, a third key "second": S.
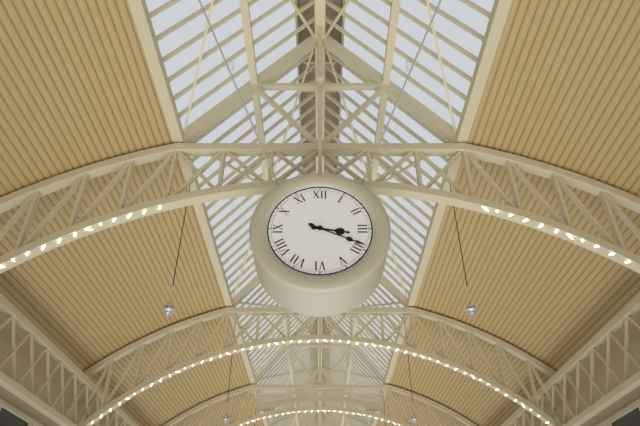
{"hour": 3, "minute": 19}
